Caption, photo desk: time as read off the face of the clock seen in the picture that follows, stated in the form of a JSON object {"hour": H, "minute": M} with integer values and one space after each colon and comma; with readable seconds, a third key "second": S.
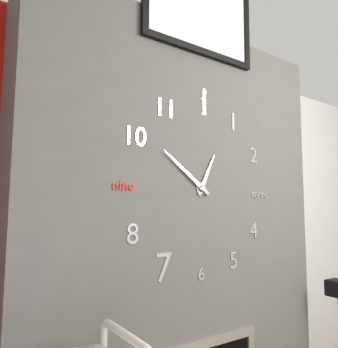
{"hour": 12, "minute": 51}
